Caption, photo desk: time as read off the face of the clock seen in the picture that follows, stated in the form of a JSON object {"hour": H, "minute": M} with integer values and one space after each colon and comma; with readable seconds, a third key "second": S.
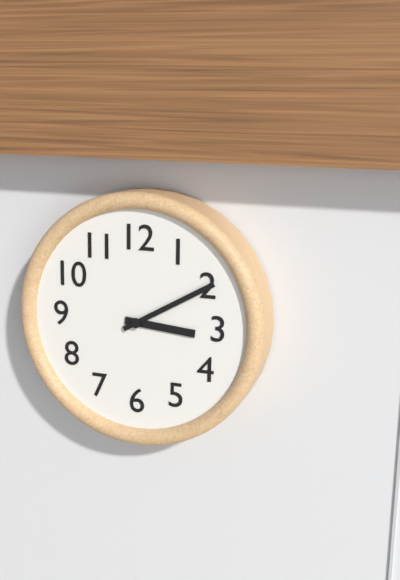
{"hour": 3, "minute": 10}
